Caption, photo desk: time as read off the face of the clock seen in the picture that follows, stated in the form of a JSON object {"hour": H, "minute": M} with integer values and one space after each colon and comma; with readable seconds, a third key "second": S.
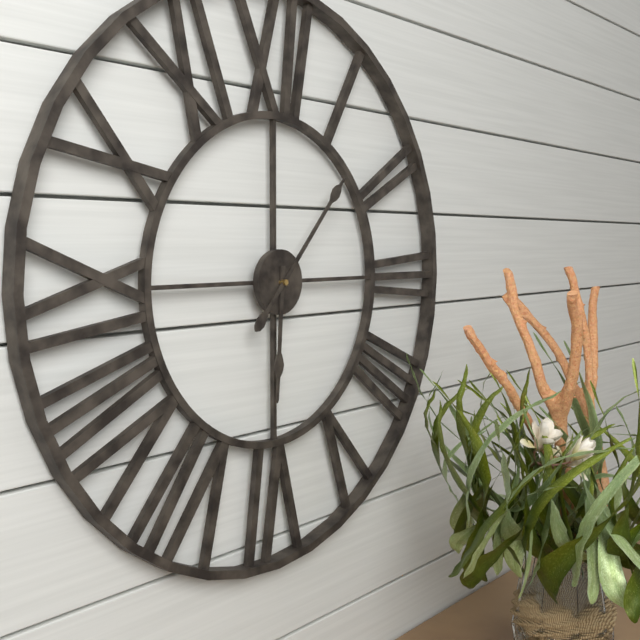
{"hour": 6, "minute": 7}
